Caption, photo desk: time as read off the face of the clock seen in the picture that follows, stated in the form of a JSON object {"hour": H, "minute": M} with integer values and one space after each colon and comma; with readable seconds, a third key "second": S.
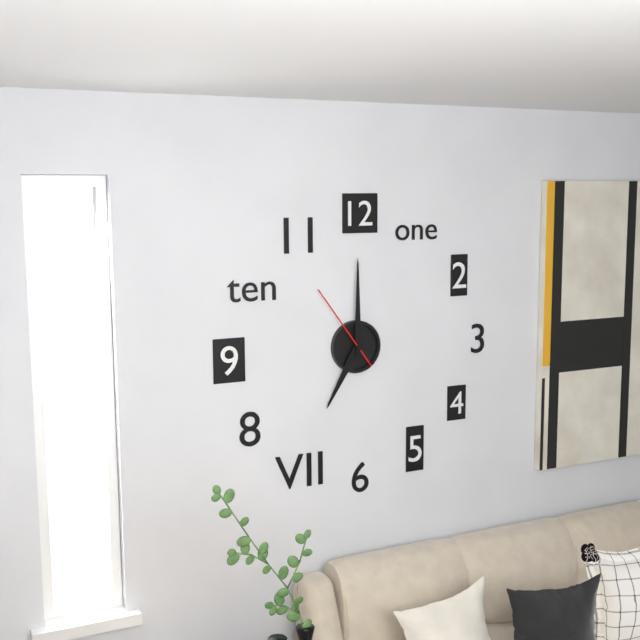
{"hour": 7, "minute": 0, "second": 54}
